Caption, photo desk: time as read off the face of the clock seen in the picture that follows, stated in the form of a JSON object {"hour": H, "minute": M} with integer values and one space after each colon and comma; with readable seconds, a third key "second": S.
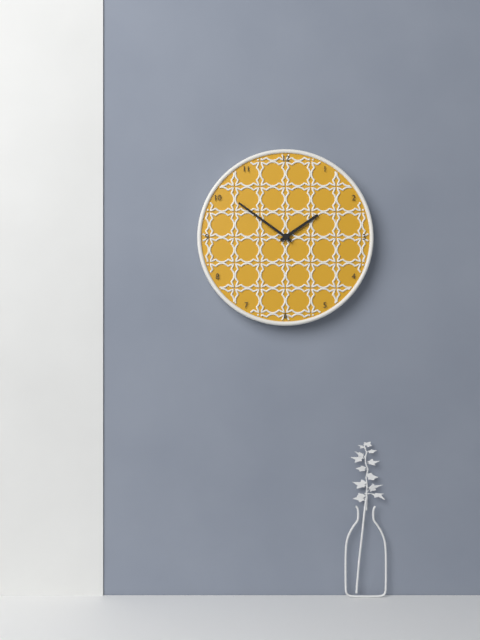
{"hour": 1, "minute": 51}
